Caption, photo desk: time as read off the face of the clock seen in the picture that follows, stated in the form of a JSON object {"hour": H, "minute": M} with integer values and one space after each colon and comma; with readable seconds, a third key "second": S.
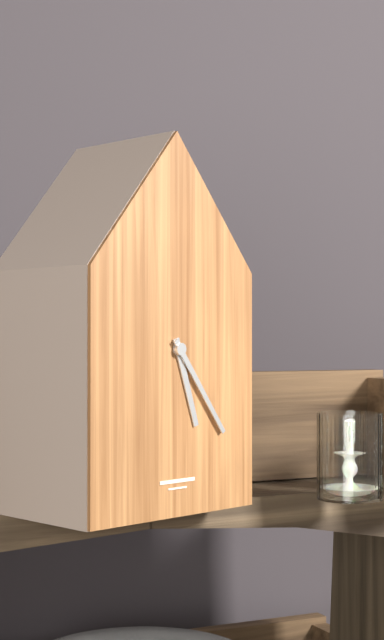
{"hour": 5, "minute": 24}
